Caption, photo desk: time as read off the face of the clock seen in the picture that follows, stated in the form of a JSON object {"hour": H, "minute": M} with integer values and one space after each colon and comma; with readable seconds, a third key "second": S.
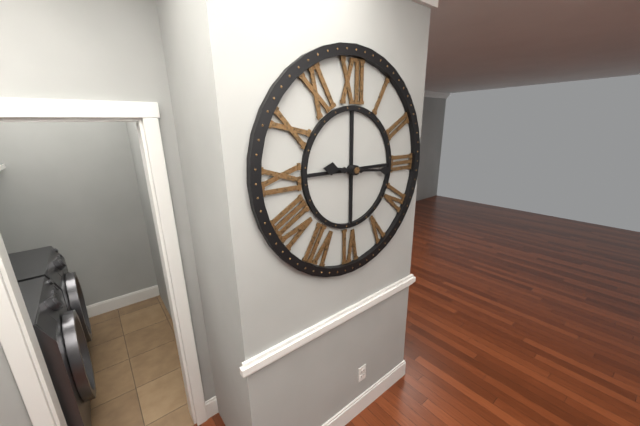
{"hour": 9, "minute": 16}
